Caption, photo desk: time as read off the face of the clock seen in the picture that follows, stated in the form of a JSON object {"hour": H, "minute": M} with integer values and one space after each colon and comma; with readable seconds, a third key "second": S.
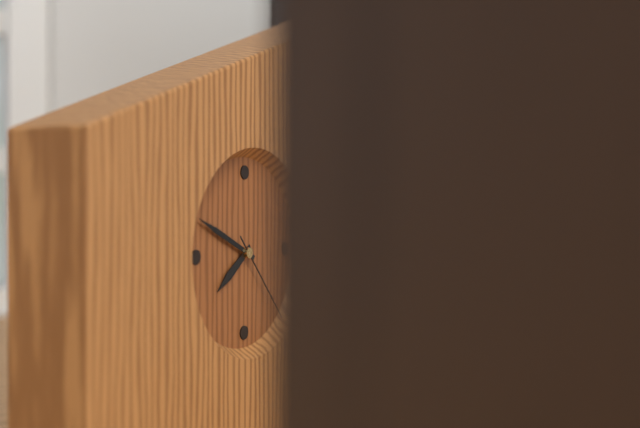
{"hour": 7, "minute": 49}
